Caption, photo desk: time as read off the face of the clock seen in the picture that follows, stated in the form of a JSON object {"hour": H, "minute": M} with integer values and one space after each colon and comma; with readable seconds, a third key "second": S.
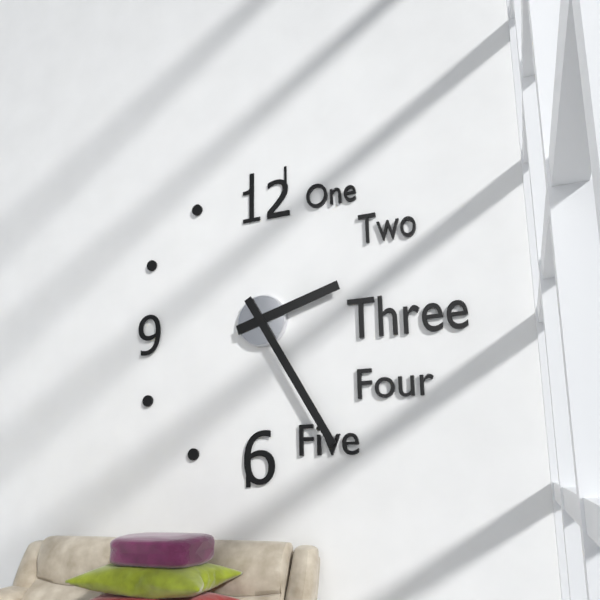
{"hour": 2, "minute": 25}
